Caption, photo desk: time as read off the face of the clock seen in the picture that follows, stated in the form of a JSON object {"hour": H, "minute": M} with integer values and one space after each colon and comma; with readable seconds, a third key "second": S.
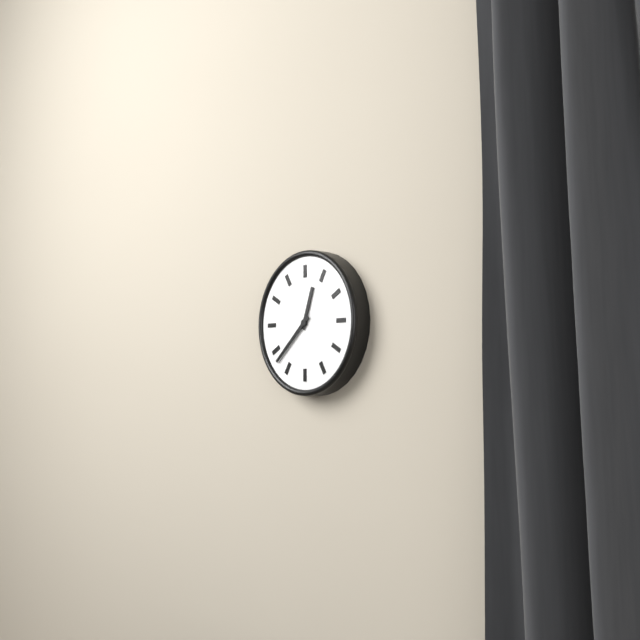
{"hour": 12, "minute": 38}
